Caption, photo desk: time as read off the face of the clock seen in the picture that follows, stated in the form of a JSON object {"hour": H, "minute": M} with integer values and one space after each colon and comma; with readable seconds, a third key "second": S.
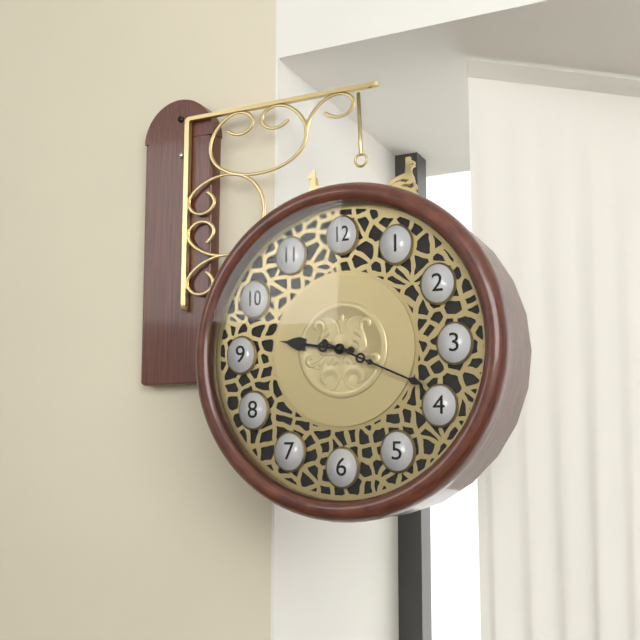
{"hour": 9, "minute": 19}
